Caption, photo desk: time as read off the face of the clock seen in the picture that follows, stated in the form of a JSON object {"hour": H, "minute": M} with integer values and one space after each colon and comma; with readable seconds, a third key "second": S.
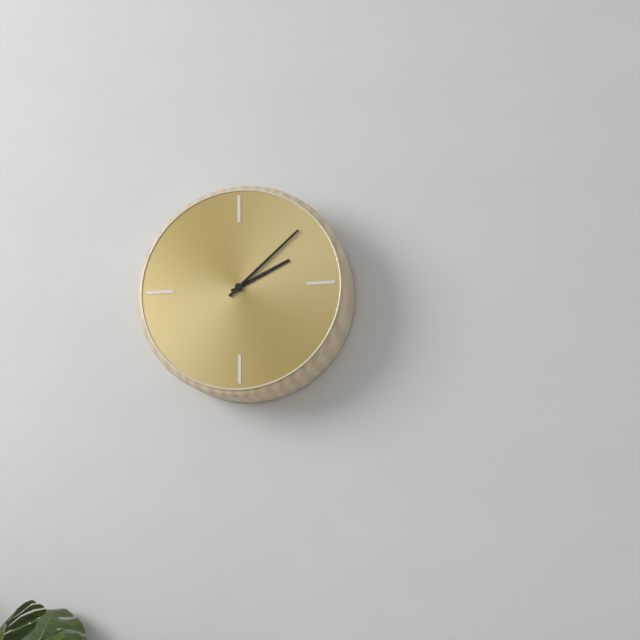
{"hour": 2, "minute": 8}
